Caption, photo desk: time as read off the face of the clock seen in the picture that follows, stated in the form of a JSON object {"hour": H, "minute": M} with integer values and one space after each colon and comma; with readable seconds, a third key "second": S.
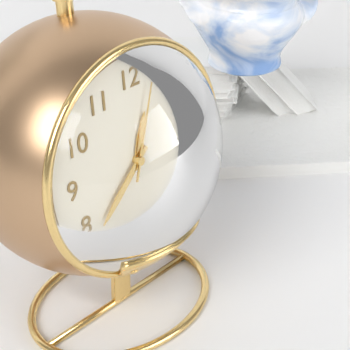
{"hour": 12, "minute": 38, "second": 3}
